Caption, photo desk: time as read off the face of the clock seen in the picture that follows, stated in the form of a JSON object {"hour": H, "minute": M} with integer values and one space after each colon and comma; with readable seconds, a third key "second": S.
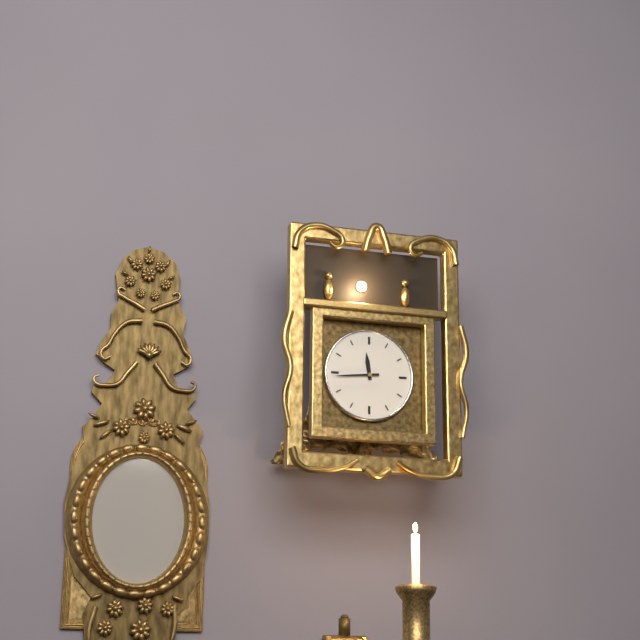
{"hour": 11, "minute": 44}
